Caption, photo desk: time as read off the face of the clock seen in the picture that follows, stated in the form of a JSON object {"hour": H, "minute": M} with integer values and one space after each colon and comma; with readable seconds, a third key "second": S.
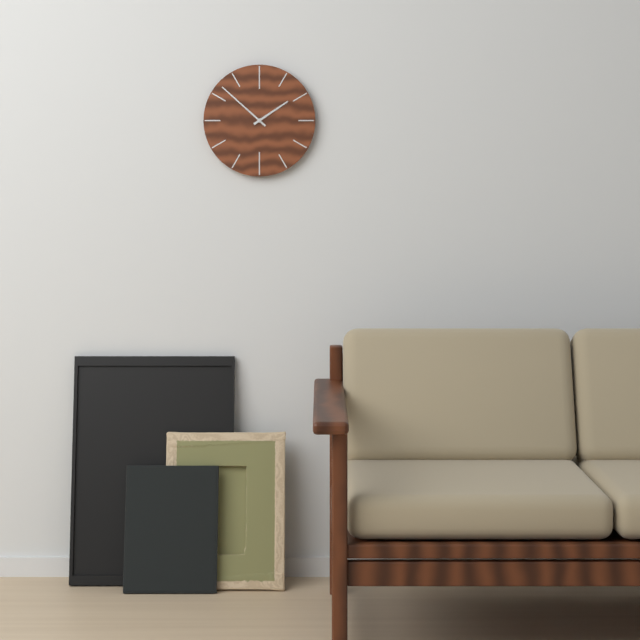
{"hour": 1, "minute": 52}
